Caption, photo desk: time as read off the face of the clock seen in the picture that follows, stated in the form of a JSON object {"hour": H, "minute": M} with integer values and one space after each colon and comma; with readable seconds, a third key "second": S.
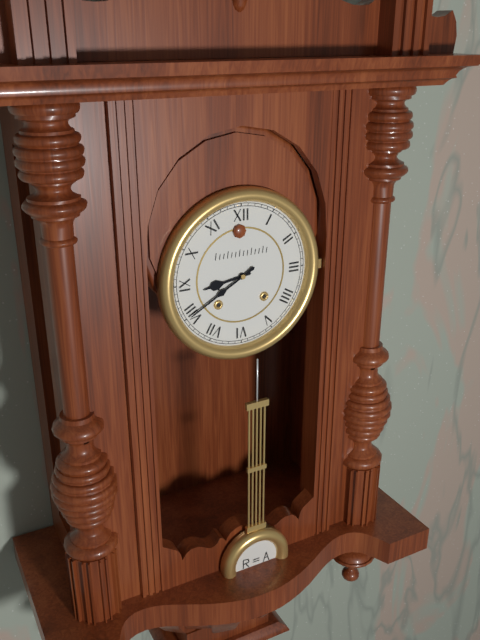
{"hour": 8, "minute": 40}
